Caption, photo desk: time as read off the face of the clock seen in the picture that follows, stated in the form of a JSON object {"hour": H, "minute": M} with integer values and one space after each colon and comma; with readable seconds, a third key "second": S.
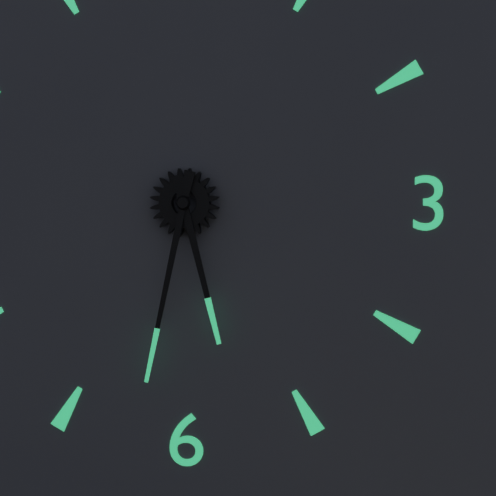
{"hour": 5, "minute": 32}
